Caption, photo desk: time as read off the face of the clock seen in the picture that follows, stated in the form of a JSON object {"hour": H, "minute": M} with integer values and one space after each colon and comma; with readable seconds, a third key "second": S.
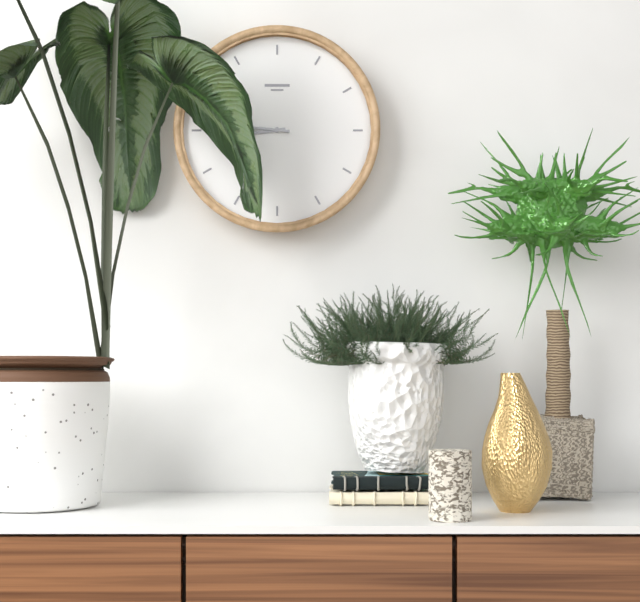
{"hour": 8, "minute": 46}
